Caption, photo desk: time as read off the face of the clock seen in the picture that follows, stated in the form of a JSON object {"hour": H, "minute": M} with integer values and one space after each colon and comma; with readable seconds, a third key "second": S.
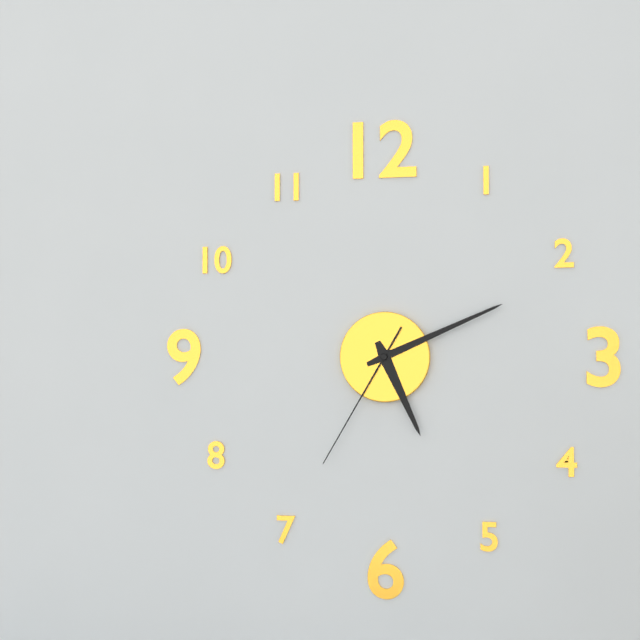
{"hour": 5, "minute": 11, "second": 35}
